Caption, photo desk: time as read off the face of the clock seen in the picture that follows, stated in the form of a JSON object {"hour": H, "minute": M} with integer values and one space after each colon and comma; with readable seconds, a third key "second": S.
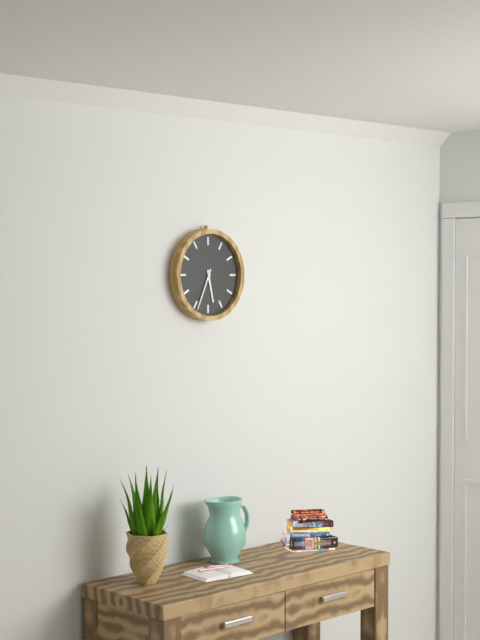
{"hour": 5, "minute": 34}
